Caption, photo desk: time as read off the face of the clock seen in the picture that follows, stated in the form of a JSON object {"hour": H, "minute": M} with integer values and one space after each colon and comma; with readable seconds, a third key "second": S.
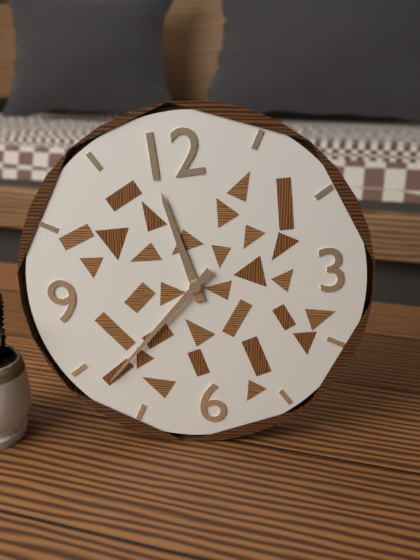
{"hour": 11, "minute": 38}
